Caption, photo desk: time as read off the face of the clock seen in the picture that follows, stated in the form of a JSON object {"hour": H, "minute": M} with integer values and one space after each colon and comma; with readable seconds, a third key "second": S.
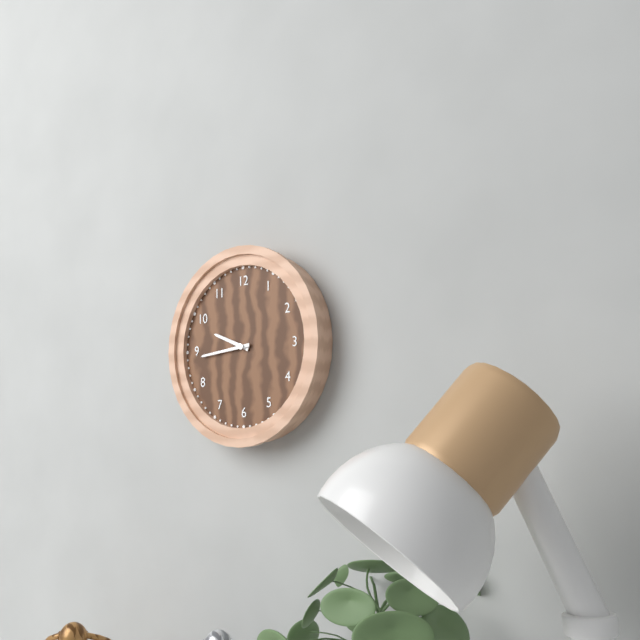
{"hour": 9, "minute": 44}
